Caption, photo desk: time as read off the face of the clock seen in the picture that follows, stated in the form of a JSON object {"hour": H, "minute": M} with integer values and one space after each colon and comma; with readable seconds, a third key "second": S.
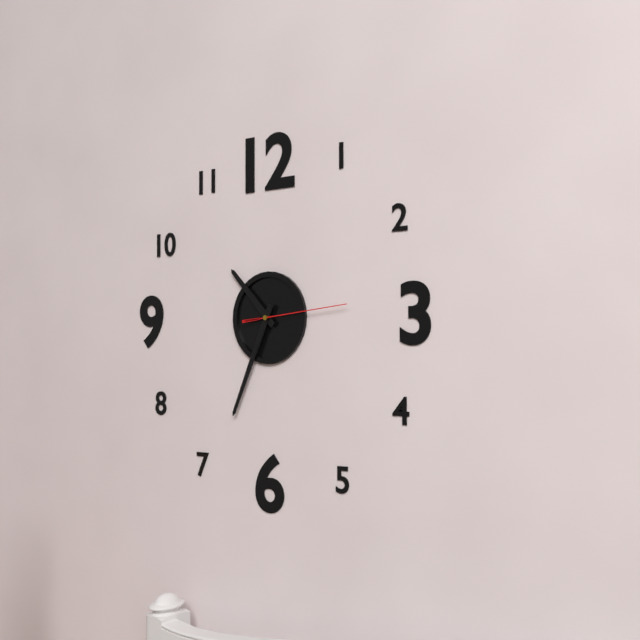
{"hour": 10, "minute": 34, "second": 14}
